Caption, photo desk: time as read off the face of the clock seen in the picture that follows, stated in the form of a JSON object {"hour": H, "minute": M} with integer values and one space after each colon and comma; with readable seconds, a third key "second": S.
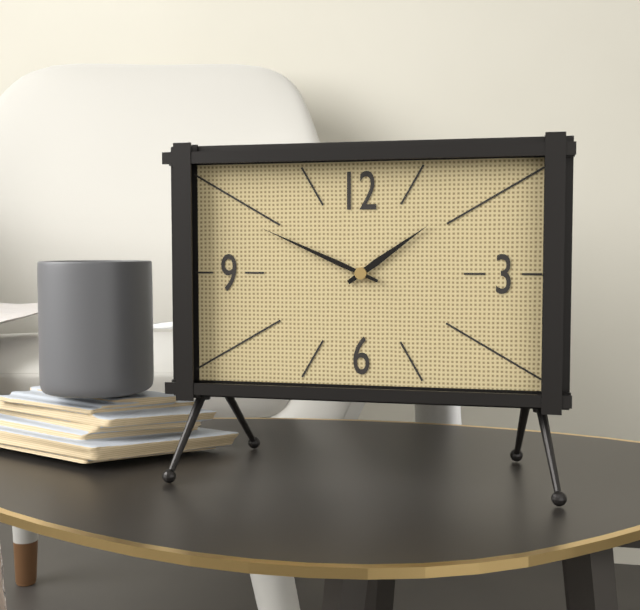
{"hour": 1, "minute": 49}
